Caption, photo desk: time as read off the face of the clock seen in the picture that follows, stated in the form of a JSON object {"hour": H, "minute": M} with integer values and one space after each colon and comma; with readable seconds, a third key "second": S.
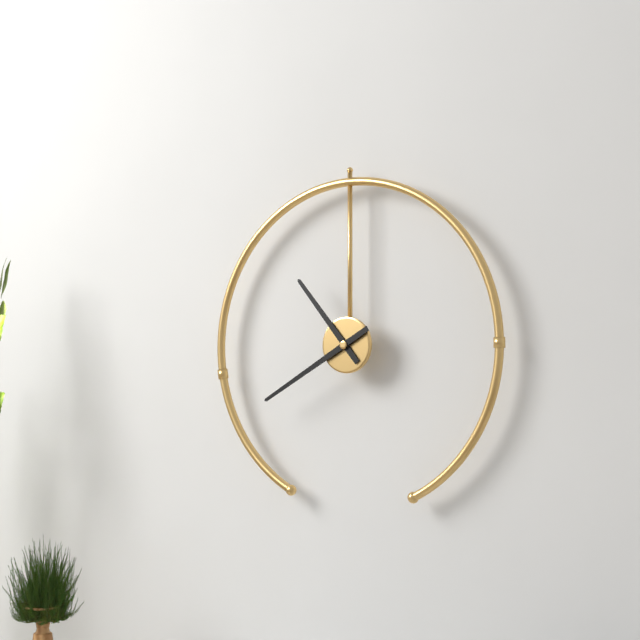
{"hour": 10, "minute": 40}
